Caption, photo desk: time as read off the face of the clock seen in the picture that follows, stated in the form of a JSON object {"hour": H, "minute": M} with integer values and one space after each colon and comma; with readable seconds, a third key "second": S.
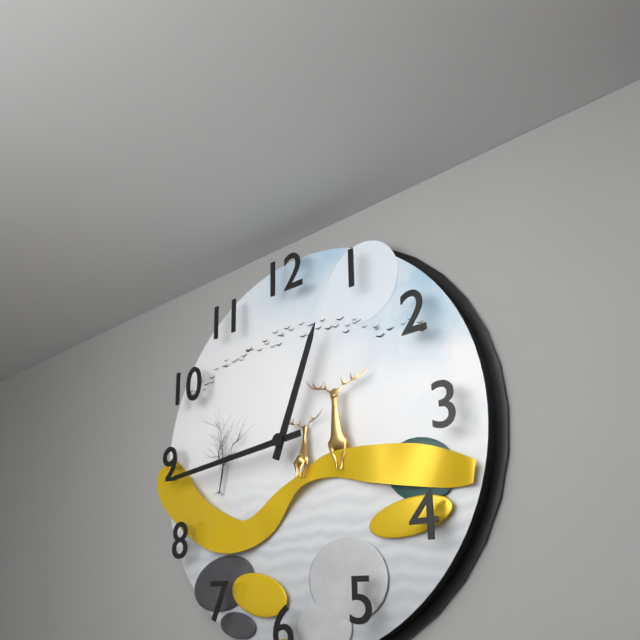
{"hour": 12, "minute": 44}
